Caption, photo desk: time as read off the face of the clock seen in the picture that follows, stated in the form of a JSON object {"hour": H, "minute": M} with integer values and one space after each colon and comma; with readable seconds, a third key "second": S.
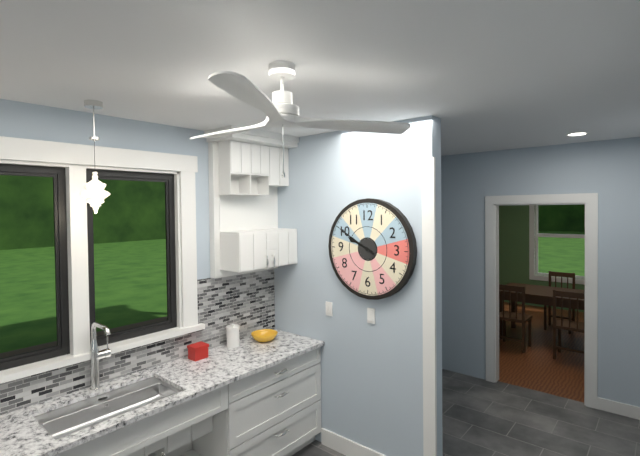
{"hour": 9, "minute": 50}
